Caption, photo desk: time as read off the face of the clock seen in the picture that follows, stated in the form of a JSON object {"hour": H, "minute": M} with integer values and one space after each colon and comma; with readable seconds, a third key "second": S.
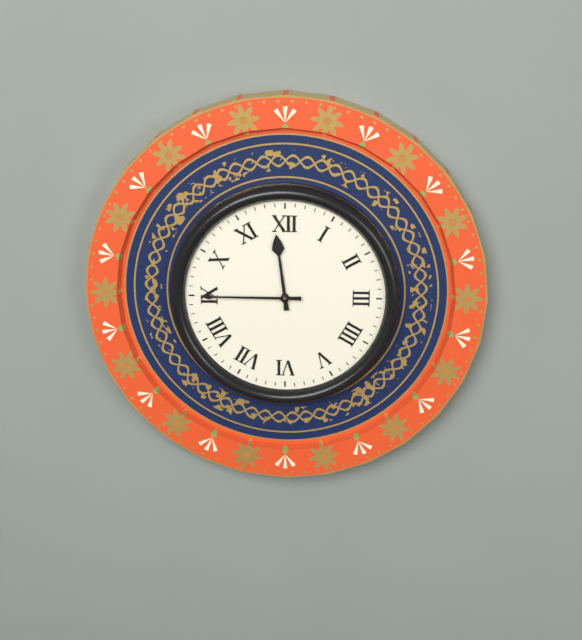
{"hour": 11, "minute": 45}
